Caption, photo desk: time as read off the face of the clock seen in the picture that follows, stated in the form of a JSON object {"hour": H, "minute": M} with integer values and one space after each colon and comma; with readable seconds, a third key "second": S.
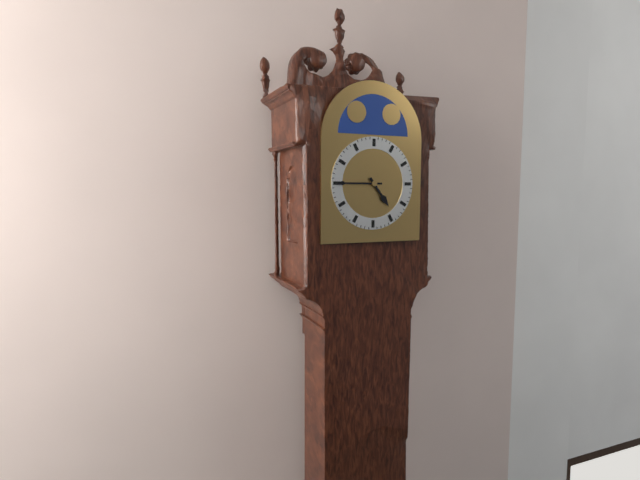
{"hour": 4, "minute": 45}
